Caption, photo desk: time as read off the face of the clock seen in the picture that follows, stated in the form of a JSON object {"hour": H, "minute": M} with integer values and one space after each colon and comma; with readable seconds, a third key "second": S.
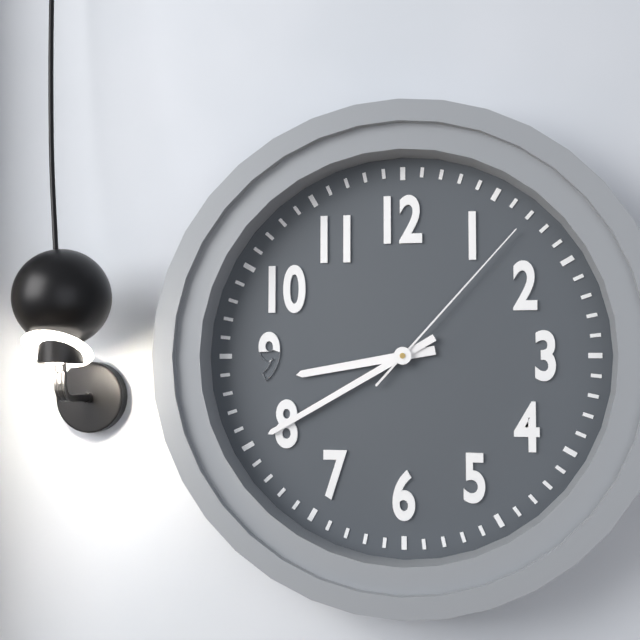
{"hour": 8, "minute": 40, "second": 7}
